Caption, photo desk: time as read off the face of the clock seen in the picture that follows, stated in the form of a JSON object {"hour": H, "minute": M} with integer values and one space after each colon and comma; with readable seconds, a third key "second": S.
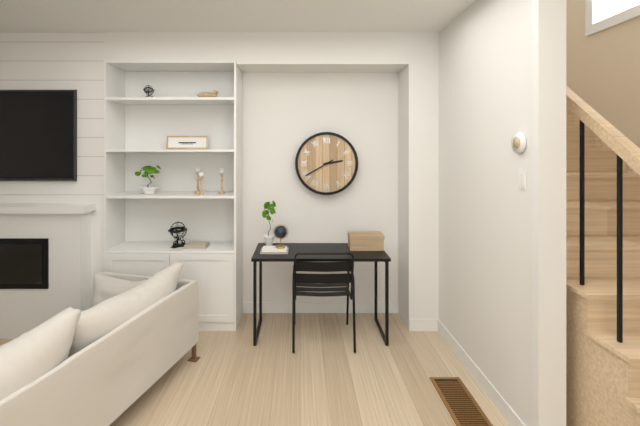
{"hour": 2, "minute": 40}
